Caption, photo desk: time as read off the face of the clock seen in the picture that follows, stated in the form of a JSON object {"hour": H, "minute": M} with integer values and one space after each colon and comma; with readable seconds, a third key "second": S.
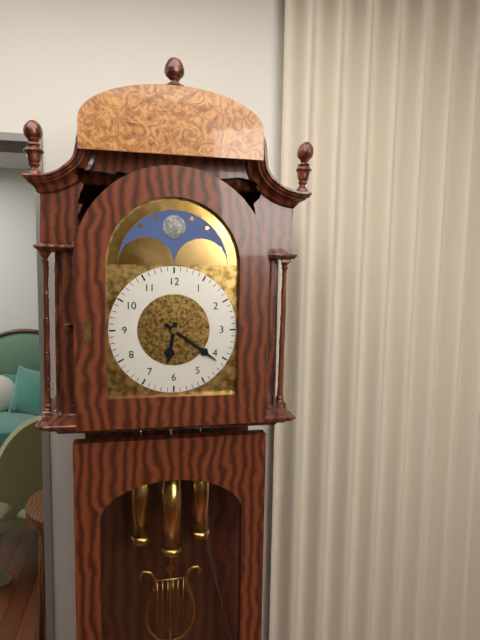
{"hour": 6, "minute": 21}
